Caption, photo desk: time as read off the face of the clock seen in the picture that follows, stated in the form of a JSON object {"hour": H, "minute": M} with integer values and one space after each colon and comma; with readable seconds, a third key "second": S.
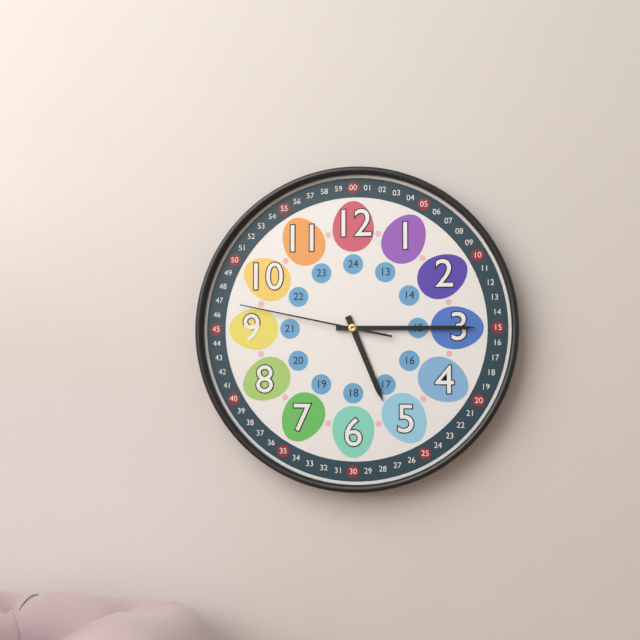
{"hour": 5, "minute": 15, "second": 47}
